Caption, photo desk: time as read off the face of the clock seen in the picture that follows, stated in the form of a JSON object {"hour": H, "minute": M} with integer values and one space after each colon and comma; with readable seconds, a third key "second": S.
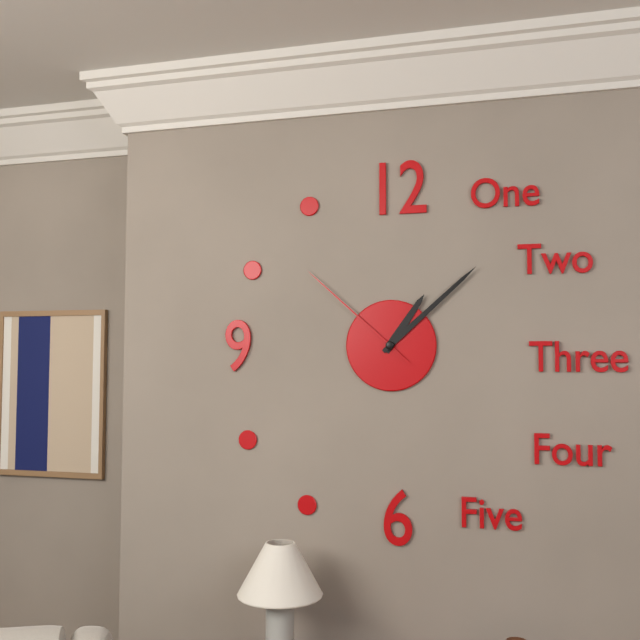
{"hour": 1, "minute": 8, "second": 52}
